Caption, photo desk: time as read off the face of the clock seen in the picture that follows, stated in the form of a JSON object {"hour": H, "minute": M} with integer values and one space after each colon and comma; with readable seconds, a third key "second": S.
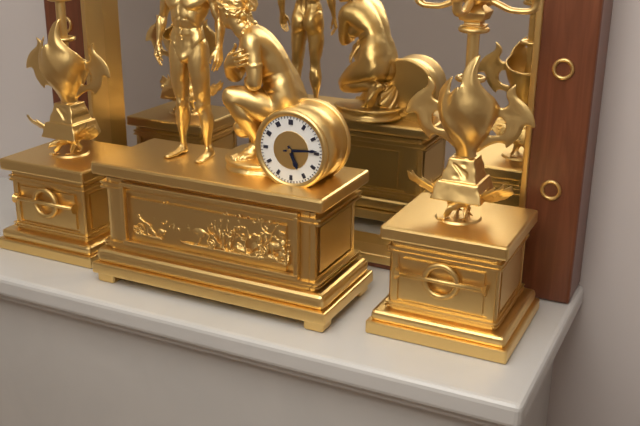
{"hour": 5, "minute": 14}
